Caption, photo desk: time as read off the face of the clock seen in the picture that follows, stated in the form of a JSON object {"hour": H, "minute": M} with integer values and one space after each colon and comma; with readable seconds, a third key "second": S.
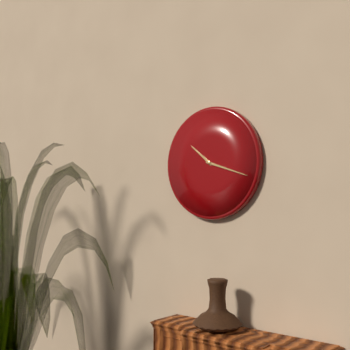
{"hour": 10, "minute": 18}
